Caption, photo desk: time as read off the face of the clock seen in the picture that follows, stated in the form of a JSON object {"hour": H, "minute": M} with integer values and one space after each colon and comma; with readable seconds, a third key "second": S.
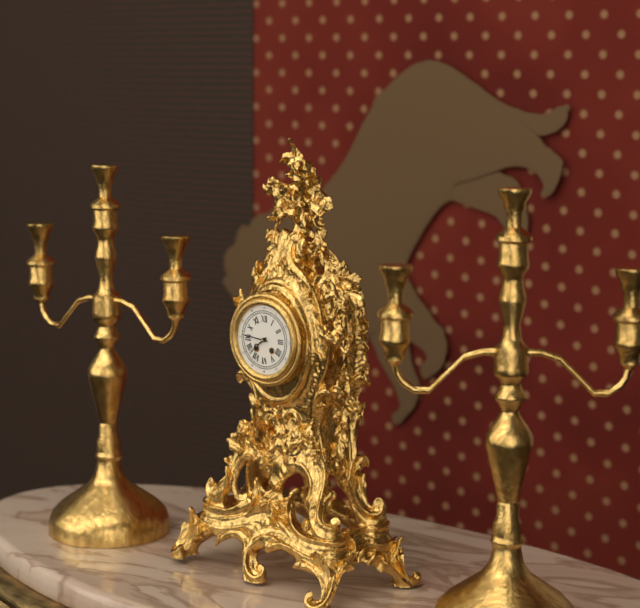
{"hour": 7, "minute": 46}
